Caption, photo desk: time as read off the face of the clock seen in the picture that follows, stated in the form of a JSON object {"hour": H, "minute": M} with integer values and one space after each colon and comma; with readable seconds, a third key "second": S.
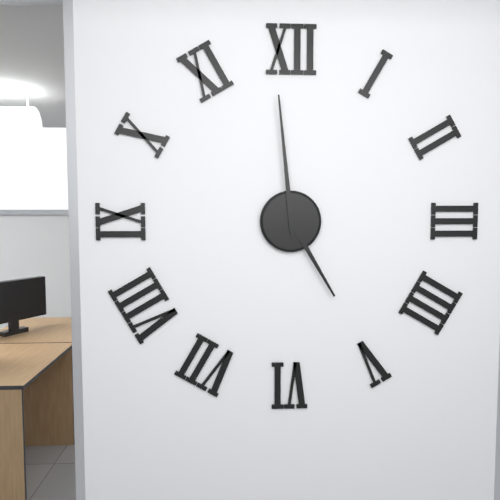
{"hour": 4, "minute": 59}
